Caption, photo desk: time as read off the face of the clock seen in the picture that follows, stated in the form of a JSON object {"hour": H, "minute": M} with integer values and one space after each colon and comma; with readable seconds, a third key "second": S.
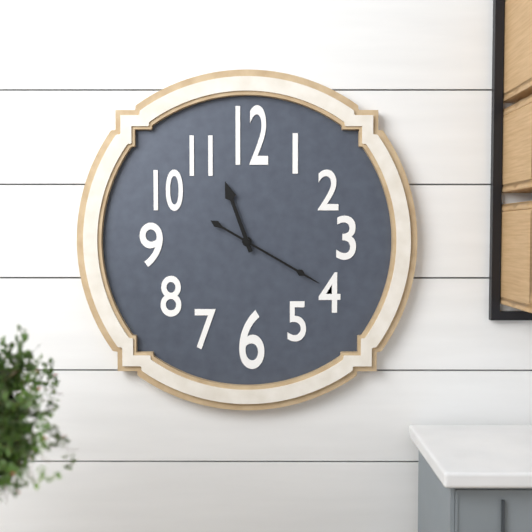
{"hour": 11, "minute": 20}
